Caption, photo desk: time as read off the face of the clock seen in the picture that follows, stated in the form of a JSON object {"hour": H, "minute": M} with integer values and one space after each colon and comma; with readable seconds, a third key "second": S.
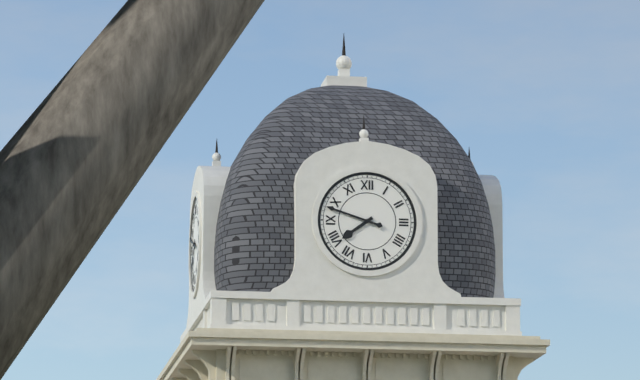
{"hour": 7, "minute": 48}
